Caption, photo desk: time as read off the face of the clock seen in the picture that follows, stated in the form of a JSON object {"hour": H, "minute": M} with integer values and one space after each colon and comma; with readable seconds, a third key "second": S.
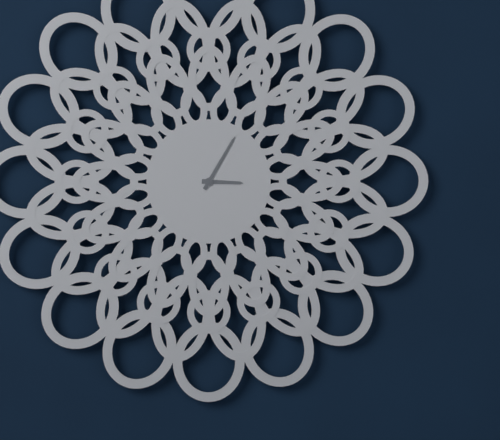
{"hour": 3, "minute": 5}
